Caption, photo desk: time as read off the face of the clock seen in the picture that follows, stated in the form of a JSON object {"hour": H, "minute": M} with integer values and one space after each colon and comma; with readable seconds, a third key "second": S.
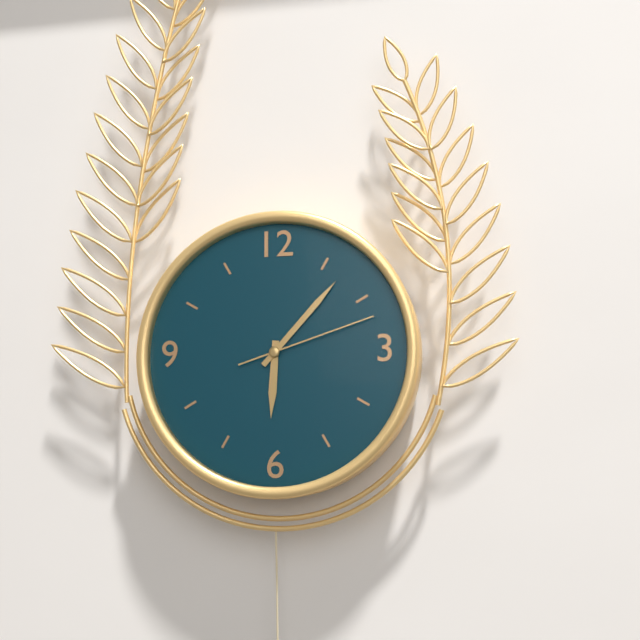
{"hour": 6, "minute": 7, "second": 12}
